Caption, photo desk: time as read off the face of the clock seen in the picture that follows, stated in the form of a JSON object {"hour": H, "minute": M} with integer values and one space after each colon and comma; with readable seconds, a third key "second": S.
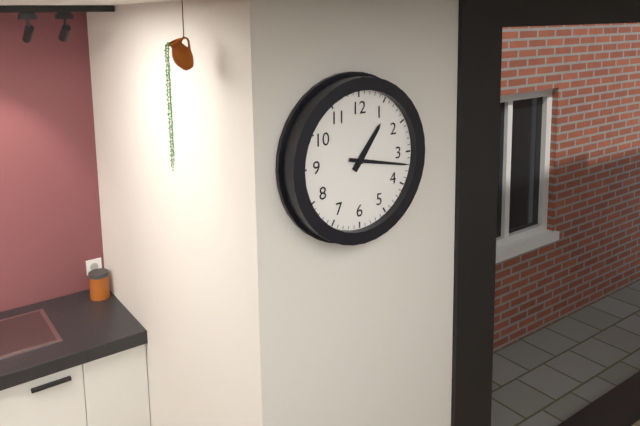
{"hour": 1, "minute": 17}
